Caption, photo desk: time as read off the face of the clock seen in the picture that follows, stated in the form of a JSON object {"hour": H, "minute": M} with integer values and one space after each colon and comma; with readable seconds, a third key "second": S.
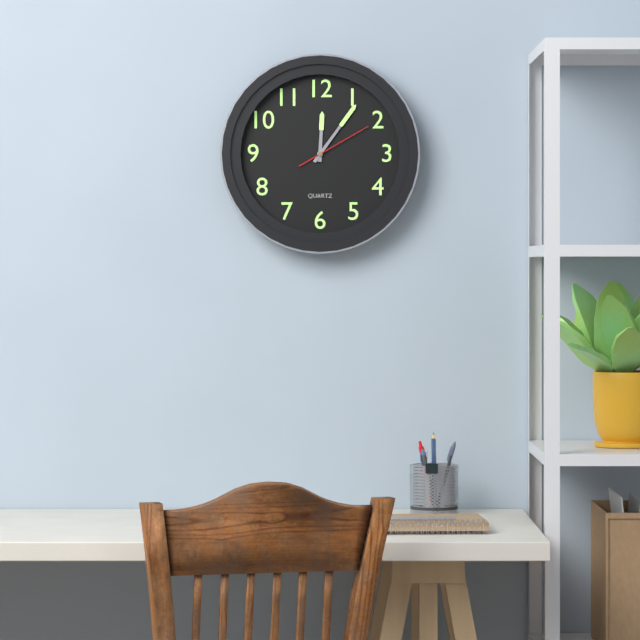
{"hour": 12, "minute": 6, "second": 10}
